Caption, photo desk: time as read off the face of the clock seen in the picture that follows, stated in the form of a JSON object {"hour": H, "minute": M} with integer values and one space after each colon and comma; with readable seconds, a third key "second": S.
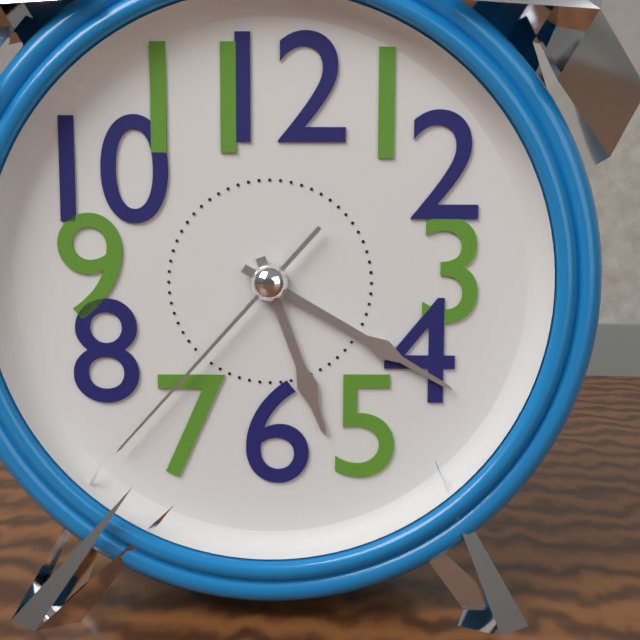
{"hour": 5, "minute": 20, "second": 37}
